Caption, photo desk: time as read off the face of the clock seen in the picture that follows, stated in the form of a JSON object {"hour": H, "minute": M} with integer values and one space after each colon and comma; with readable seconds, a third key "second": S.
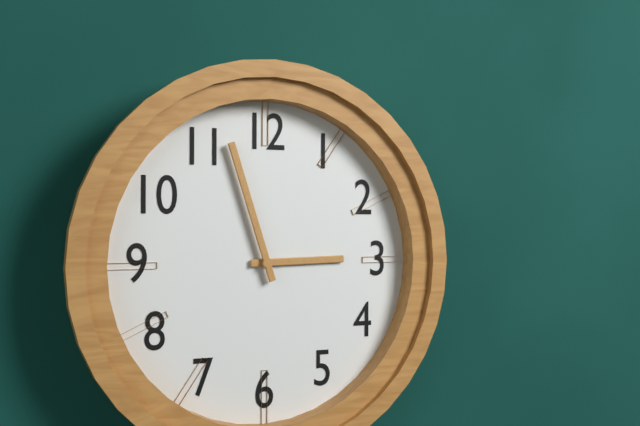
{"hour": 2, "minute": 57}
